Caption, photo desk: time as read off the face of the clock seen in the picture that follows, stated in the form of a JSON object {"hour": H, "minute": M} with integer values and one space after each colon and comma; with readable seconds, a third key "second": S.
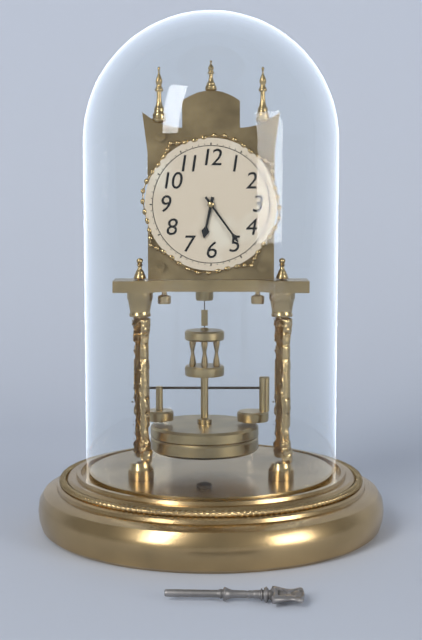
{"hour": 6, "minute": 24}
